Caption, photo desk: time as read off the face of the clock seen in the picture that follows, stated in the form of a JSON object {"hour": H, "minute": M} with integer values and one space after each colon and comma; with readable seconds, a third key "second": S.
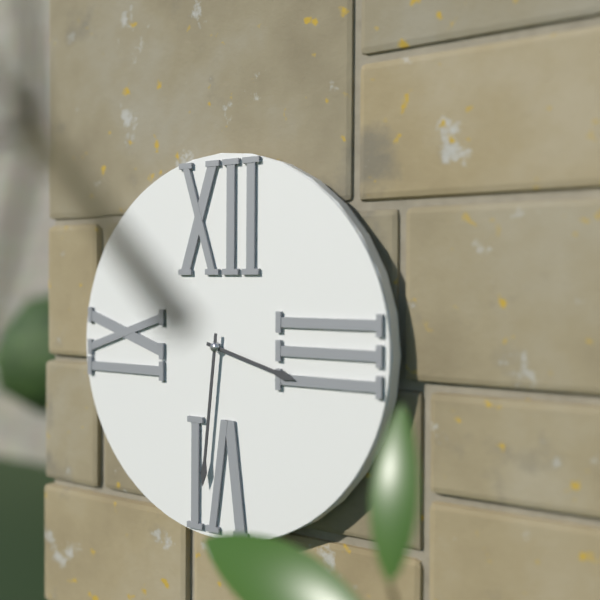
{"hour": 3, "minute": 31}
